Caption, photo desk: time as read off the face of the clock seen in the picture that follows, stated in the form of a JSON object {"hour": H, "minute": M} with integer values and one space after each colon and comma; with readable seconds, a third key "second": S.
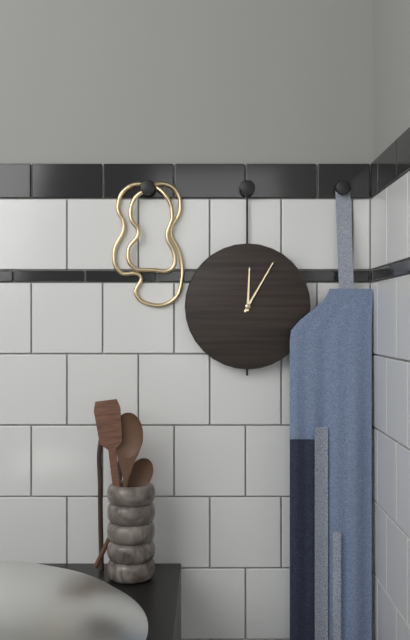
{"hour": 12, "minute": 5}
